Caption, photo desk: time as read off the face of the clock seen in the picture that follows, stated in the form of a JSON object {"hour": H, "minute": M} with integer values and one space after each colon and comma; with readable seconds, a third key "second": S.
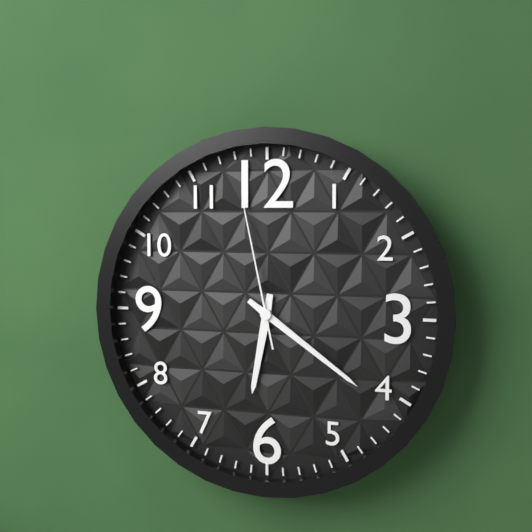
{"hour": 6, "minute": 21, "second": 58}
